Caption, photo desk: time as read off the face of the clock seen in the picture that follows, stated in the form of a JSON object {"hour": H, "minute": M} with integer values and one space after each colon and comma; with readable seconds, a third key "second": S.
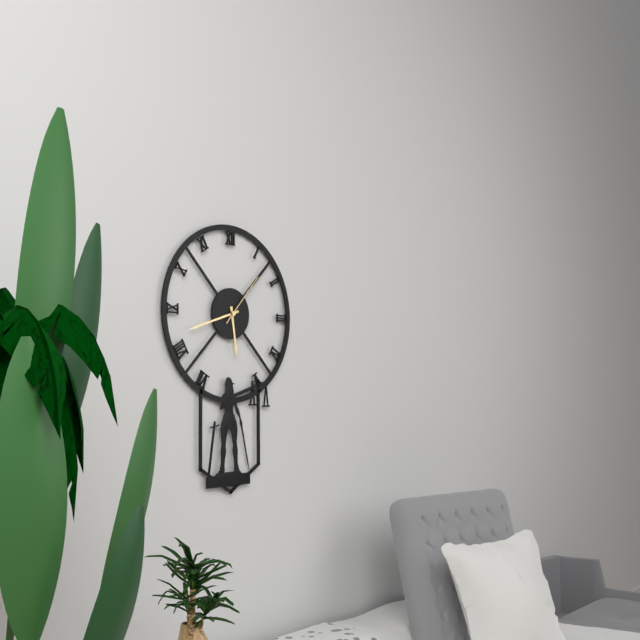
{"hour": 5, "minute": 42, "second": 7}
